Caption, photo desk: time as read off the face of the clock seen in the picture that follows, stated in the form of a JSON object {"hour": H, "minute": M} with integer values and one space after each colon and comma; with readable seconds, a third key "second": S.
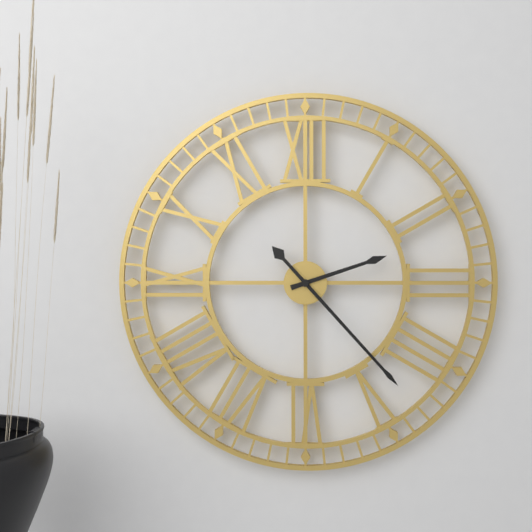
{"hour": 2, "minute": 23}
